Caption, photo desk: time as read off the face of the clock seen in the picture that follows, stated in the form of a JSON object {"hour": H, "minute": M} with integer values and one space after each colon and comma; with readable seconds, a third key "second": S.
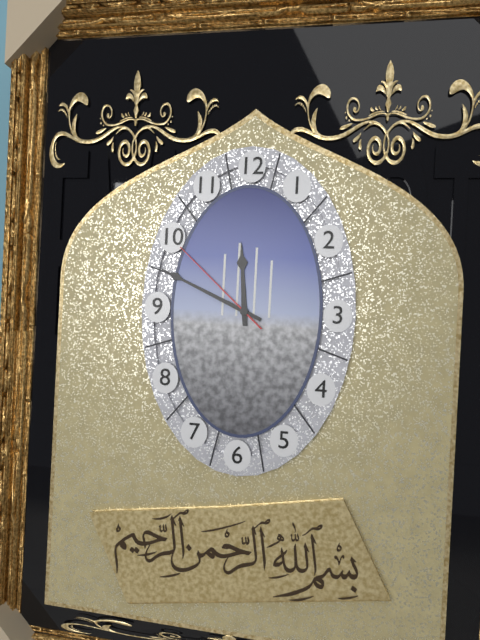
{"hour": 11, "minute": 49, "second": 52}
